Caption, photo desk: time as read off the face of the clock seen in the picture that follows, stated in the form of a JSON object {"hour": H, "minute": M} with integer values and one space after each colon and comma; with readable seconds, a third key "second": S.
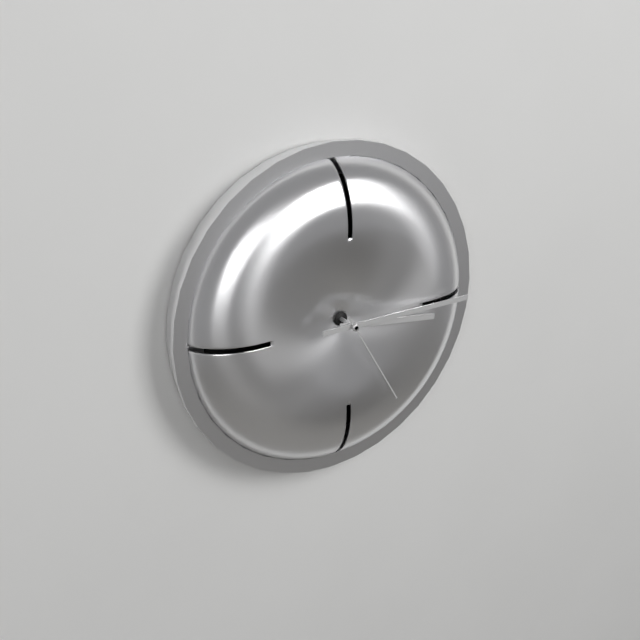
{"hour": 3, "minute": 15, "second": 25}
